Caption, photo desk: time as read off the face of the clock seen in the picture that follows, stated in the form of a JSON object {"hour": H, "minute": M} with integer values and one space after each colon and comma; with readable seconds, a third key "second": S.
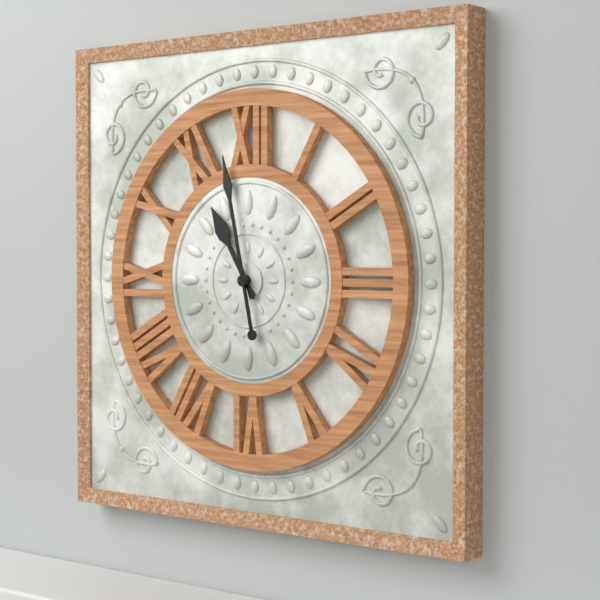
{"hour": 10, "minute": 58}
